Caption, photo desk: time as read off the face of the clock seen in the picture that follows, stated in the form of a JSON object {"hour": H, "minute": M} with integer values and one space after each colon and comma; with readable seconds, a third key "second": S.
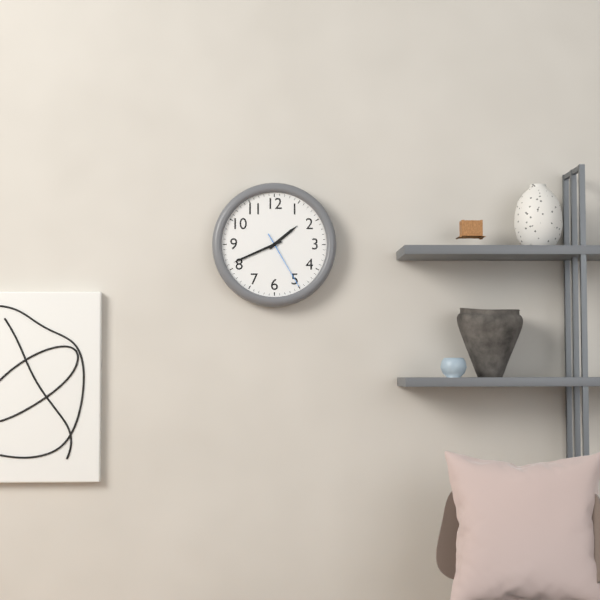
{"hour": 1, "minute": 41, "second": 25}
